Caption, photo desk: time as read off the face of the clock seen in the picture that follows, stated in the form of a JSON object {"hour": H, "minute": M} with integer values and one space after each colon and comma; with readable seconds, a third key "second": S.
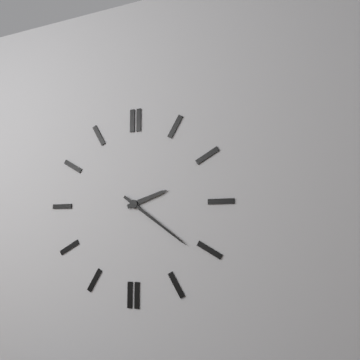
{"hour": 2, "minute": 21}
